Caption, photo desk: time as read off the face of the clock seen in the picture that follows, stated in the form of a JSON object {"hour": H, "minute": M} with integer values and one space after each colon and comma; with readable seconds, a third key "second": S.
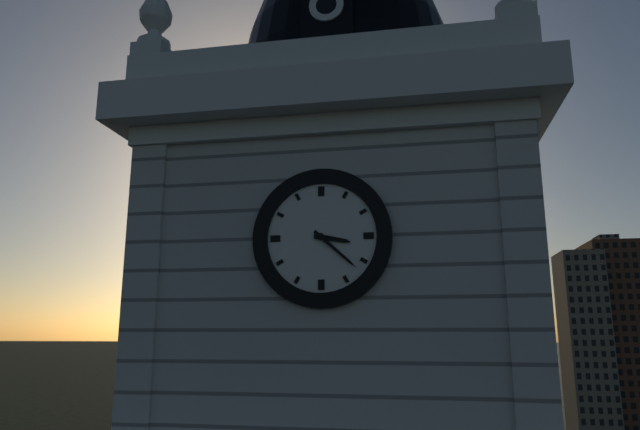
{"hour": 3, "minute": 22}
